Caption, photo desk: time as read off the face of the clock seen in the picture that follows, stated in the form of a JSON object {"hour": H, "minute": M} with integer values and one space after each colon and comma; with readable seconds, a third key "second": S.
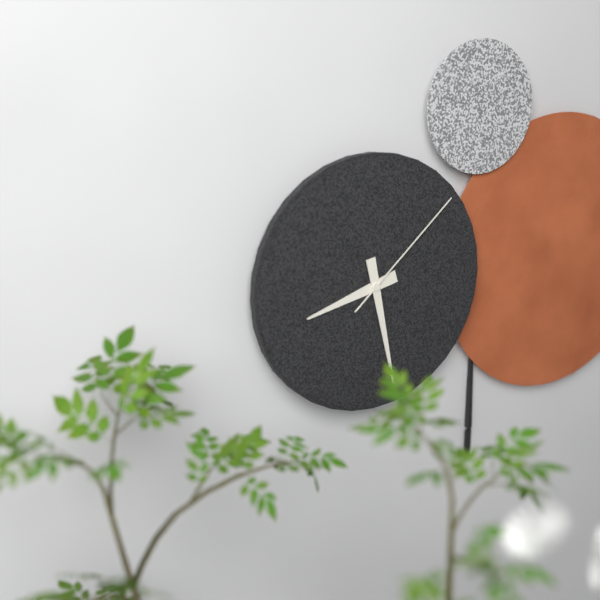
{"hour": 8, "minute": 28, "second": 8}
